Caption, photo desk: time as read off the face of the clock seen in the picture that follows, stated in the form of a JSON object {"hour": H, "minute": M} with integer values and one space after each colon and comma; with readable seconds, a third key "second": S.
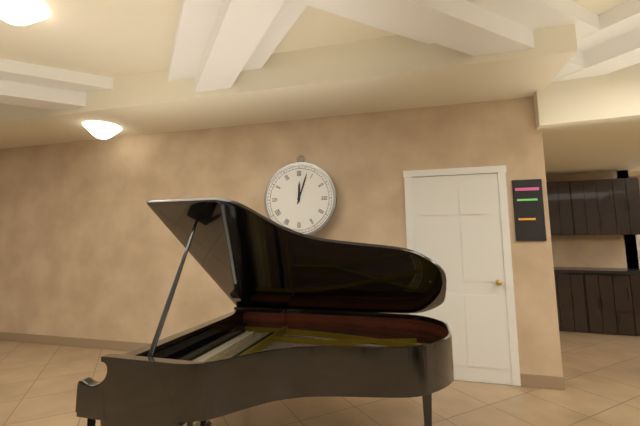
{"hour": 12, "minute": 3}
